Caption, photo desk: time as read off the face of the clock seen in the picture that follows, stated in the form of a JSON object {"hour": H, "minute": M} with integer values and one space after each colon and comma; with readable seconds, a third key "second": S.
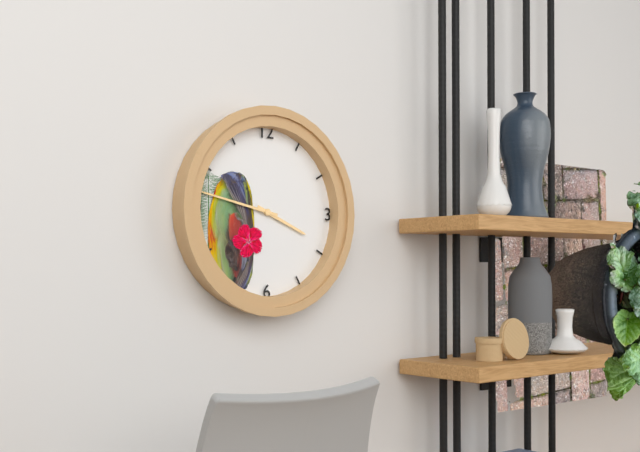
{"hour": 3, "minute": 47}
